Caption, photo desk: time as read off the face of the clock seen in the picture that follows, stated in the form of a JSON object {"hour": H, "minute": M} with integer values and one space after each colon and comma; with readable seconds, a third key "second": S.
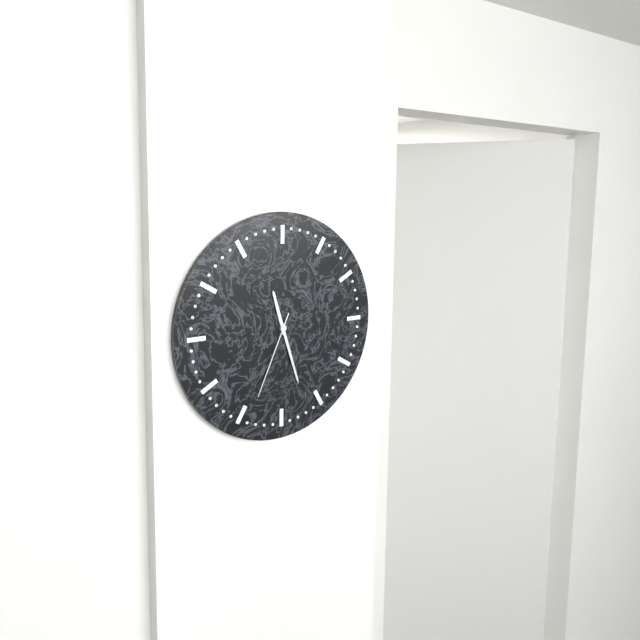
{"hour": 11, "minute": 27, "second": 34}
